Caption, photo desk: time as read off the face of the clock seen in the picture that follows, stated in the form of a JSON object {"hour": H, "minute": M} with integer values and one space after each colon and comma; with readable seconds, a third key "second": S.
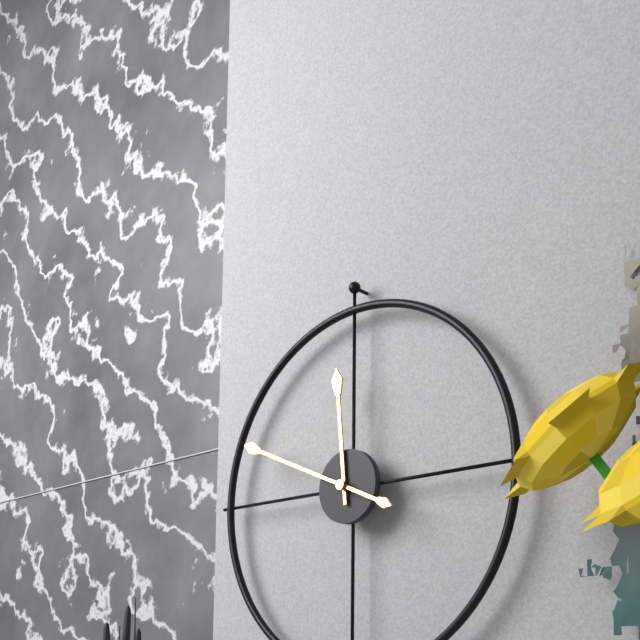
{"hour": 11, "minute": 49}
